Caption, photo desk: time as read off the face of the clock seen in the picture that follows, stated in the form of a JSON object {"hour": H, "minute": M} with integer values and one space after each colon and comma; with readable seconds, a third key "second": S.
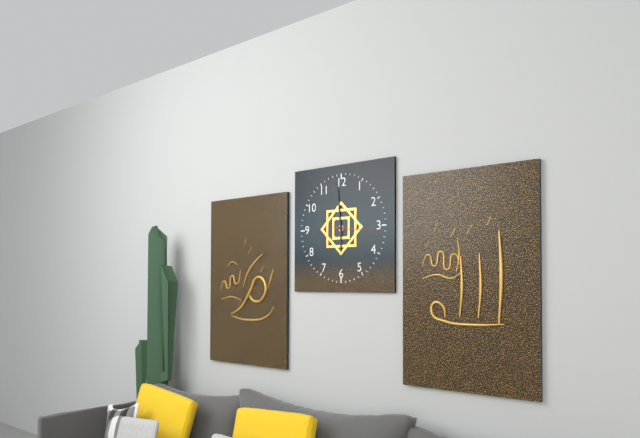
{"hour": 5, "minute": 59}
